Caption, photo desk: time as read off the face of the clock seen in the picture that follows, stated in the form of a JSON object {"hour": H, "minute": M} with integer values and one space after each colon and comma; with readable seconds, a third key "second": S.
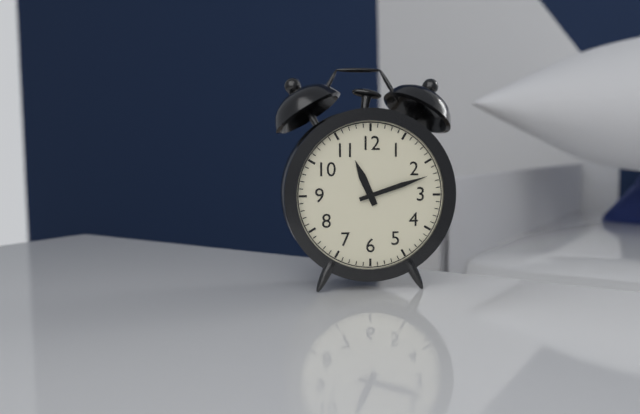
{"hour": 11, "minute": 12}
